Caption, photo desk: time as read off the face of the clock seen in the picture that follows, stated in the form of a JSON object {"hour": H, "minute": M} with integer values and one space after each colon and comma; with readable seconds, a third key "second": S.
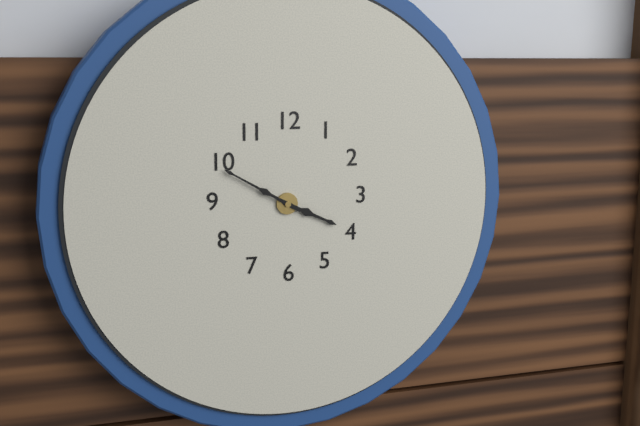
{"hour": 3, "minute": 50}
